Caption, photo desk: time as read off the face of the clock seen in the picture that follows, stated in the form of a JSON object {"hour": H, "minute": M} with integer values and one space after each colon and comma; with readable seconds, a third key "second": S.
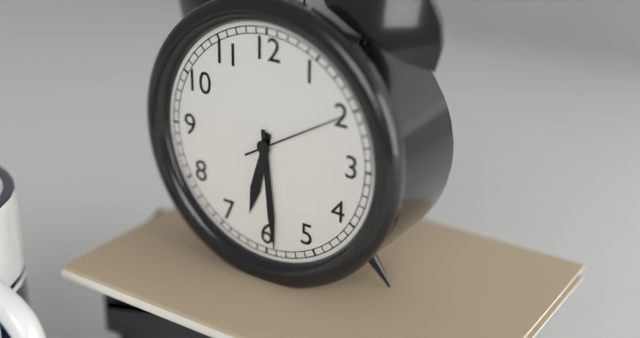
{"hour": 6, "minute": 29, "second": 10}
